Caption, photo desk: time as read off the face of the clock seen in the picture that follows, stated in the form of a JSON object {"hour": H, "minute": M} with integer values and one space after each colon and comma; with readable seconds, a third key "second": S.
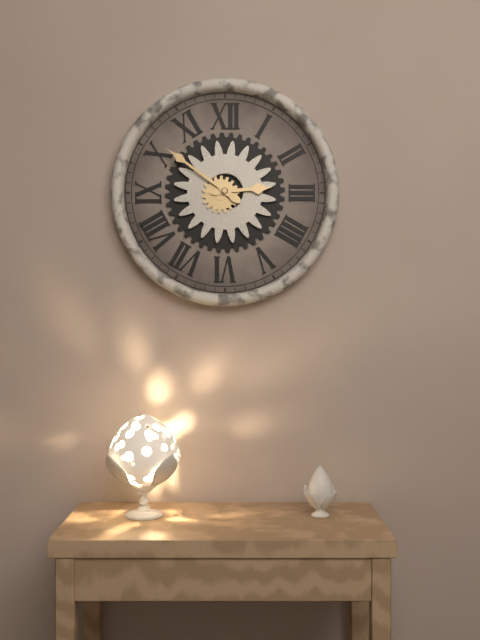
{"hour": 2, "minute": 51}
